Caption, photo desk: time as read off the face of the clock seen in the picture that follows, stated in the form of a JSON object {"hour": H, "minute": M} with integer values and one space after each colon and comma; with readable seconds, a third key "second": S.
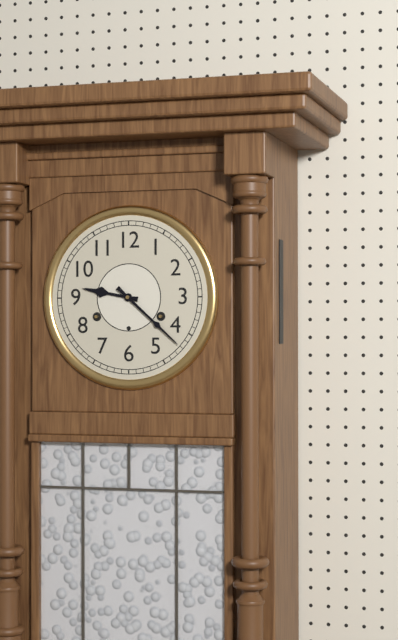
{"hour": 9, "minute": 22}
